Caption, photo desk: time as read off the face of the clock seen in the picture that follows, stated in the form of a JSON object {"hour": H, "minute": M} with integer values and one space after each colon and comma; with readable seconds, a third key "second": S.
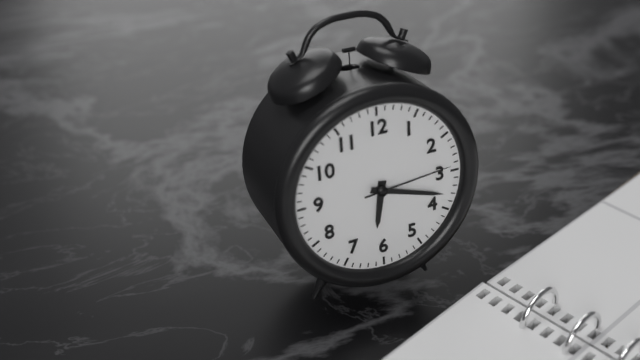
{"hour": 6, "minute": 18, "second": 14}
